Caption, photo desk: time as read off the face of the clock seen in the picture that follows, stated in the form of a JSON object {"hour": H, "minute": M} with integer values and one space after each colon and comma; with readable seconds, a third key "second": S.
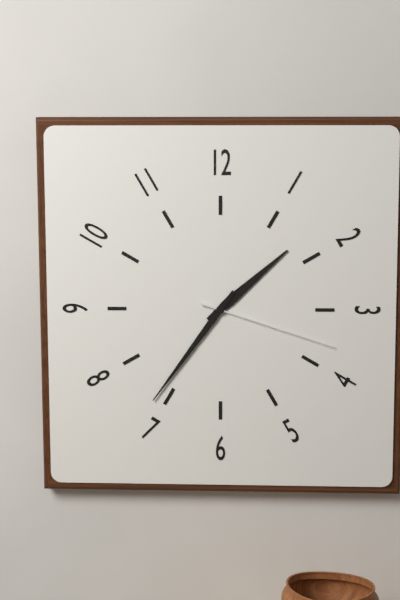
{"hour": 1, "minute": 36, "second": 18}
